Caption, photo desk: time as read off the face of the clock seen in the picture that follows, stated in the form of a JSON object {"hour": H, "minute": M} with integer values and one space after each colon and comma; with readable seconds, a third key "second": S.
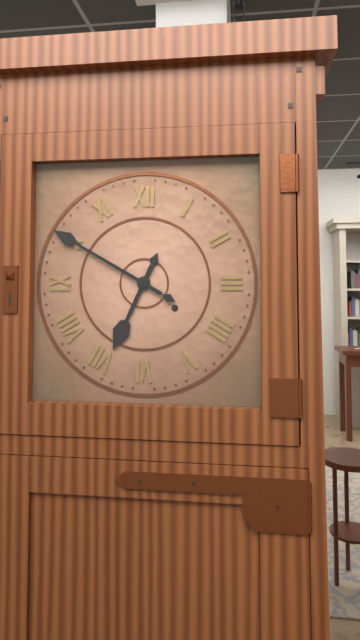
{"hour": 6, "minute": 50}
